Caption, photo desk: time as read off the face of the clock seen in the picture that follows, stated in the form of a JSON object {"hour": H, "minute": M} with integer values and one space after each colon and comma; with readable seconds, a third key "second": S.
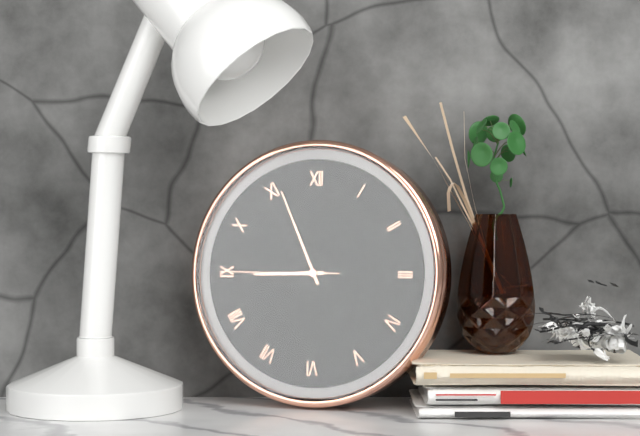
{"hour": 8, "minute": 56, "second": 45}
